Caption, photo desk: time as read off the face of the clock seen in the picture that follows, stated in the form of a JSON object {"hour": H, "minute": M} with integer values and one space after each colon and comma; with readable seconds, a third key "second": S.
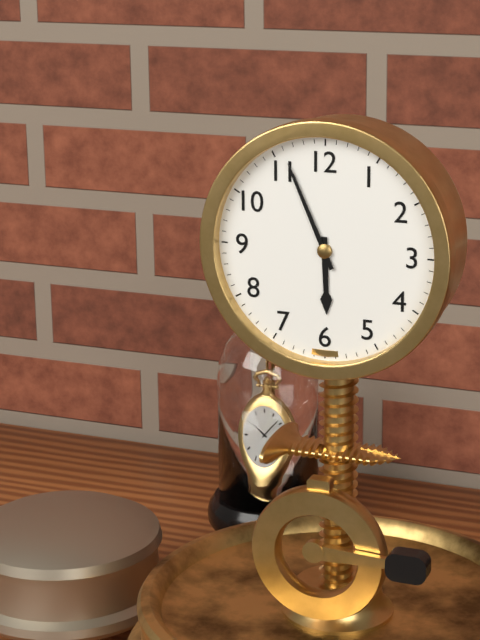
{"hour": 5, "minute": 56}
